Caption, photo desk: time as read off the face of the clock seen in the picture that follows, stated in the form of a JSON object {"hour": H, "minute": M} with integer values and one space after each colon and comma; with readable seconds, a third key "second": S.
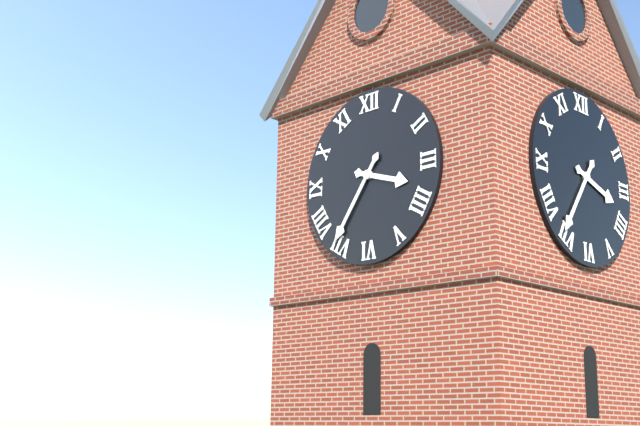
{"hour": 3, "minute": 36}
